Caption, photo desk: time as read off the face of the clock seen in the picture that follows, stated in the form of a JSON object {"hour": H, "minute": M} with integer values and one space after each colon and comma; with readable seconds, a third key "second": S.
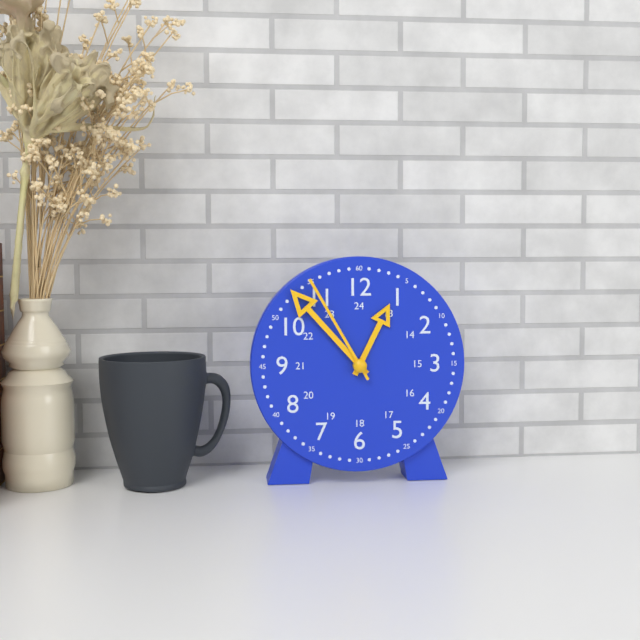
{"hour": 12, "minute": 53, "second": 55}
